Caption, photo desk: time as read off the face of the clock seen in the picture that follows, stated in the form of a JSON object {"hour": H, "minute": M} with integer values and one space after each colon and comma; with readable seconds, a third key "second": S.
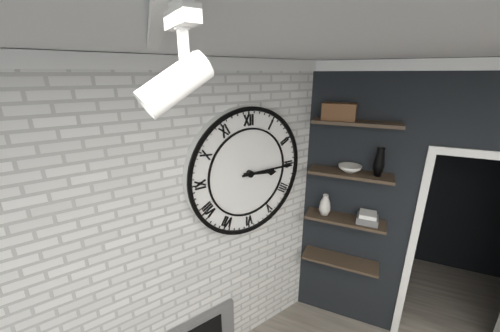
{"hour": 3, "minute": 15}
